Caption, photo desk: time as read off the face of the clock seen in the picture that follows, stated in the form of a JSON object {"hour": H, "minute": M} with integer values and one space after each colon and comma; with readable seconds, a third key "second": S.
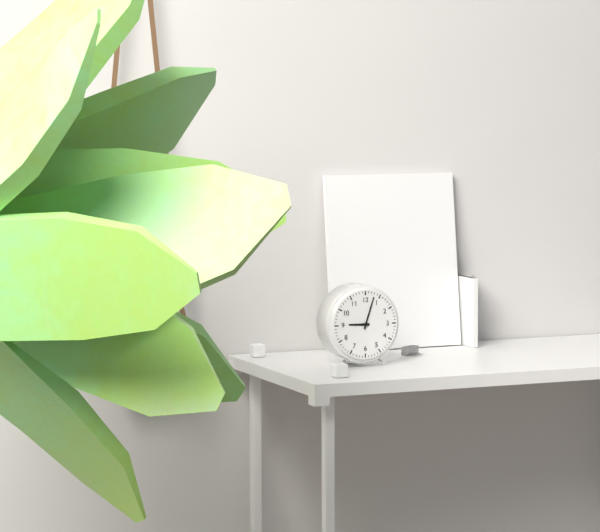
{"hour": 9, "minute": 3}
